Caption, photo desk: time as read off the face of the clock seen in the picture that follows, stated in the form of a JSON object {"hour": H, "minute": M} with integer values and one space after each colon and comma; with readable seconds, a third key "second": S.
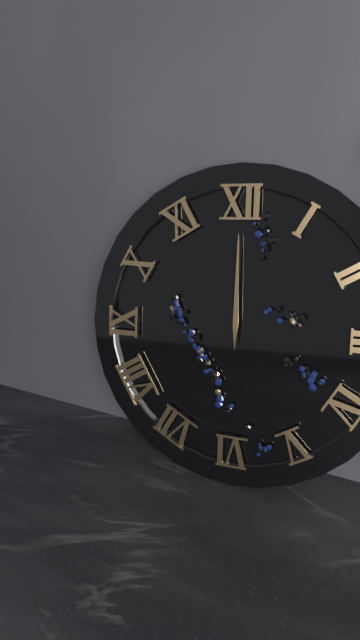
{"hour": 12, "minute": 0}
